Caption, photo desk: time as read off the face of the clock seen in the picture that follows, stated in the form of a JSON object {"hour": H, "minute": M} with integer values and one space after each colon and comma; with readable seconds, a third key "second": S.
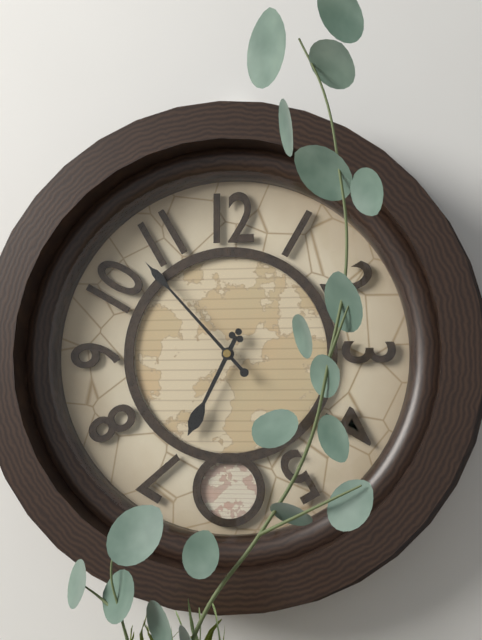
{"hour": 6, "minute": 53}
